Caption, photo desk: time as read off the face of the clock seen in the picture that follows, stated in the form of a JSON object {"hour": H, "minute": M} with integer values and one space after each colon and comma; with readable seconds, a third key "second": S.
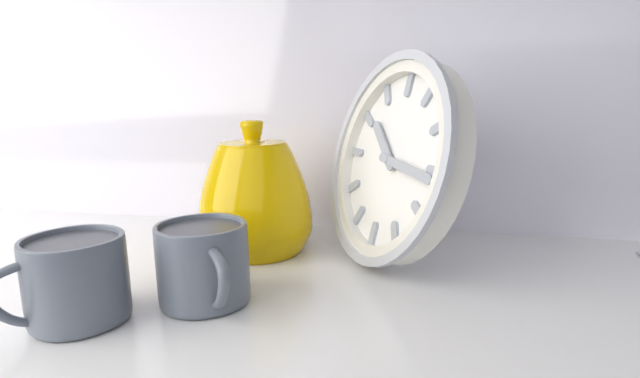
{"hour": 10, "minute": 16}
